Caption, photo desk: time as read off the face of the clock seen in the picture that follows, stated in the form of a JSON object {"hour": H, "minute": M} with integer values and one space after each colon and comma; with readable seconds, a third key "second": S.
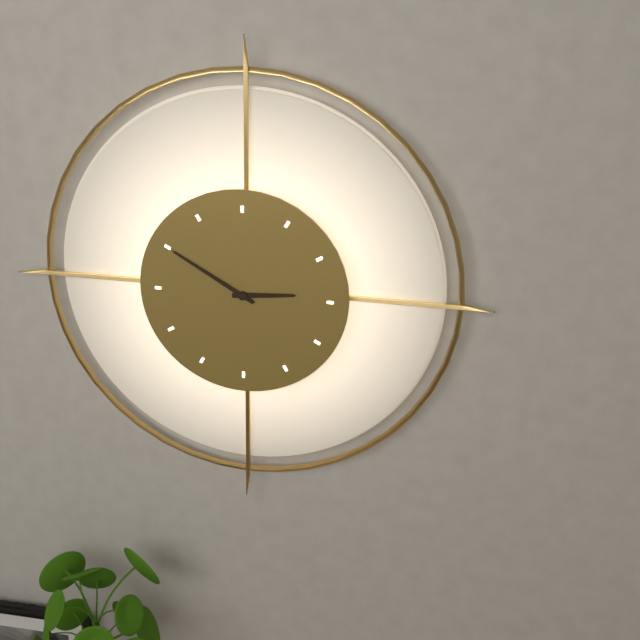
{"hour": 2, "minute": 50}
